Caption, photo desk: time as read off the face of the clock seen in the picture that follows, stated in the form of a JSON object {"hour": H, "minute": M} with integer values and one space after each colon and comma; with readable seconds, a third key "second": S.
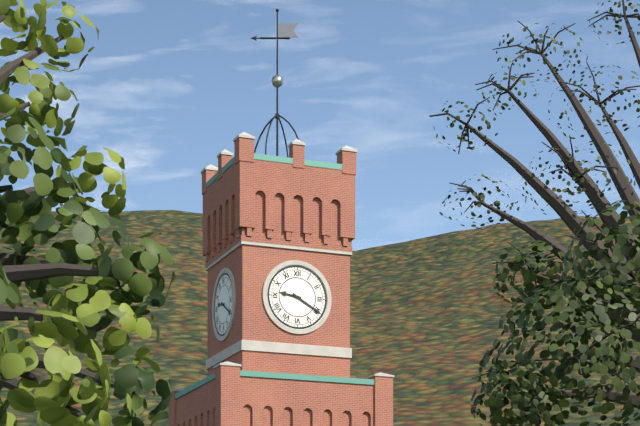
{"hour": 9, "minute": 20}
